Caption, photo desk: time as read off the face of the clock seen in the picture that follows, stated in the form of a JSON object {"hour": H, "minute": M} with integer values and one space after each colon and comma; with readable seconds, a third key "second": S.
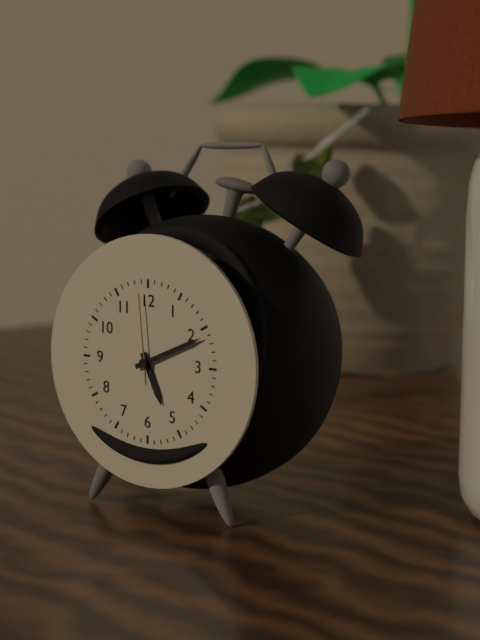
{"hour": 5, "minute": 11, "second": 59}
